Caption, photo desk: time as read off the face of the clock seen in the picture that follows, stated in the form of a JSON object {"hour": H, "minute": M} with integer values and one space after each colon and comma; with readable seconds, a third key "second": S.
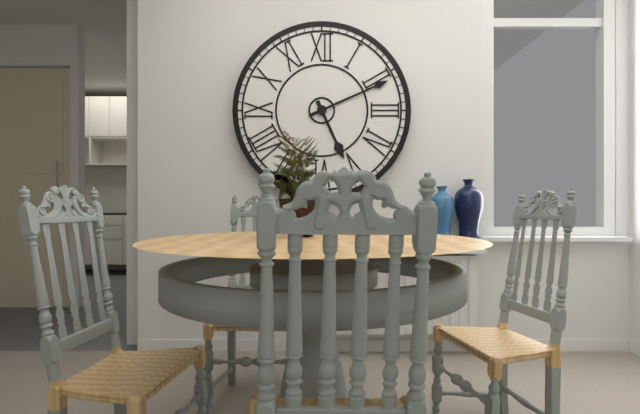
{"hour": 5, "minute": 11}
